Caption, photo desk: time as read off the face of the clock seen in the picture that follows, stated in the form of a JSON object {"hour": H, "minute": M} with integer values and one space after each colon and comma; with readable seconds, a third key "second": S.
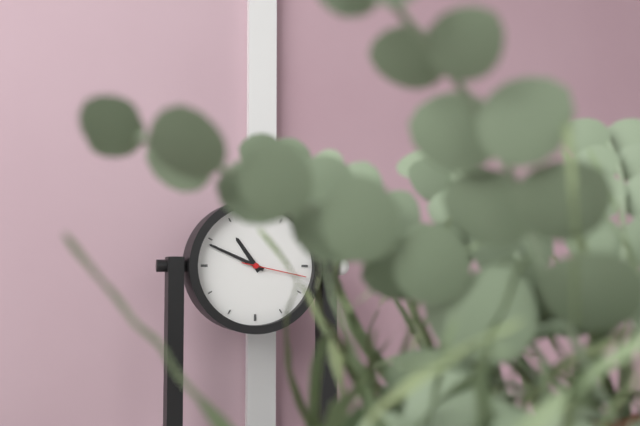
{"hour": 10, "minute": 49, "second": 17}
